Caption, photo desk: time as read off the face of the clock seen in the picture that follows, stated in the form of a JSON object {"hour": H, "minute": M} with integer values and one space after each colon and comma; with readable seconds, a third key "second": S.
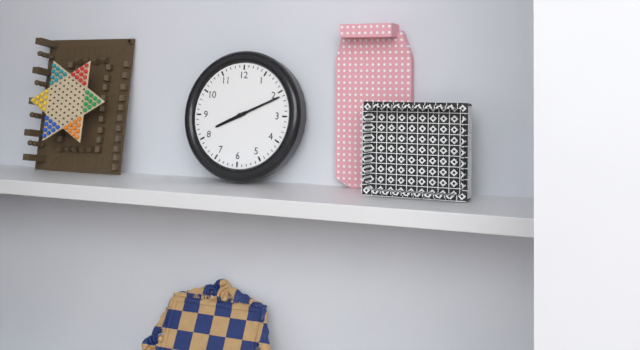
{"hour": 8, "minute": 11}
